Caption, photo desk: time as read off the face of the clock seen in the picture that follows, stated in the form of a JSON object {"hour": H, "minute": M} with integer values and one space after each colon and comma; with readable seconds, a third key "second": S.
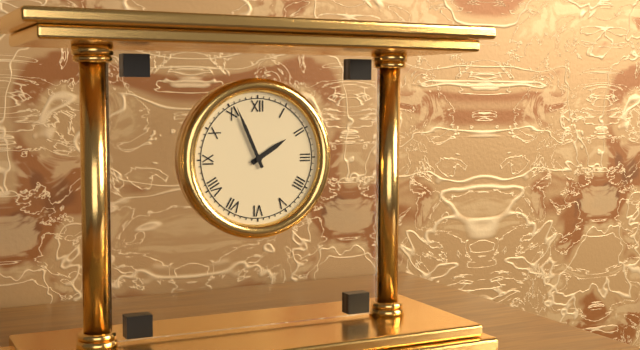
{"hour": 1, "minute": 56}
